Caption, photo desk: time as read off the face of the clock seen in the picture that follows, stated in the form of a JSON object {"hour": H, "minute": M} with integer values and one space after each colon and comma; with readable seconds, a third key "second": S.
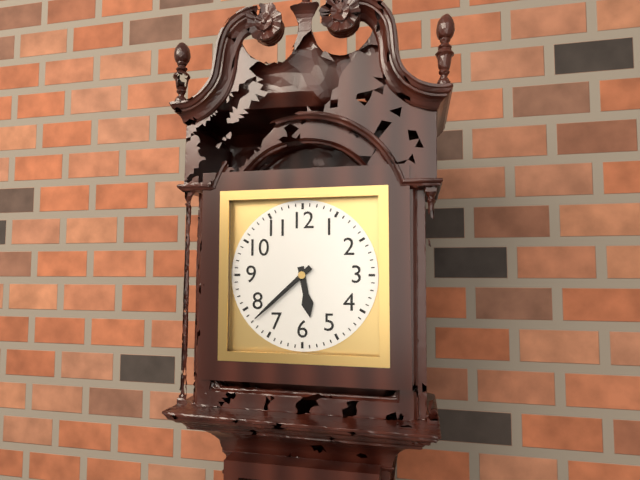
{"hour": 5, "minute": 38}
